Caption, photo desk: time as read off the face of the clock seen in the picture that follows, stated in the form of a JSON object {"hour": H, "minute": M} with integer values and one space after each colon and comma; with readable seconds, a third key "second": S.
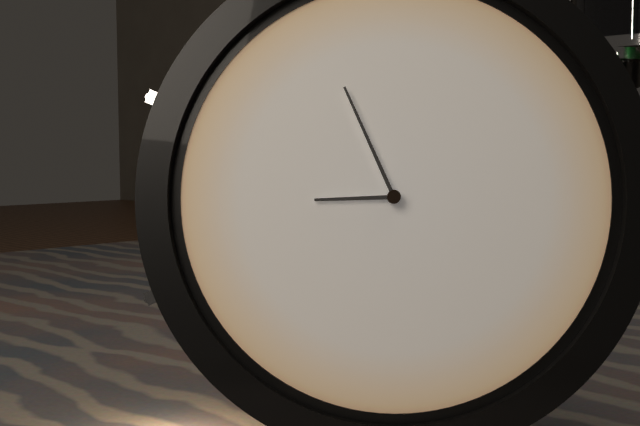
{"hour": 8, "minute": 56}
